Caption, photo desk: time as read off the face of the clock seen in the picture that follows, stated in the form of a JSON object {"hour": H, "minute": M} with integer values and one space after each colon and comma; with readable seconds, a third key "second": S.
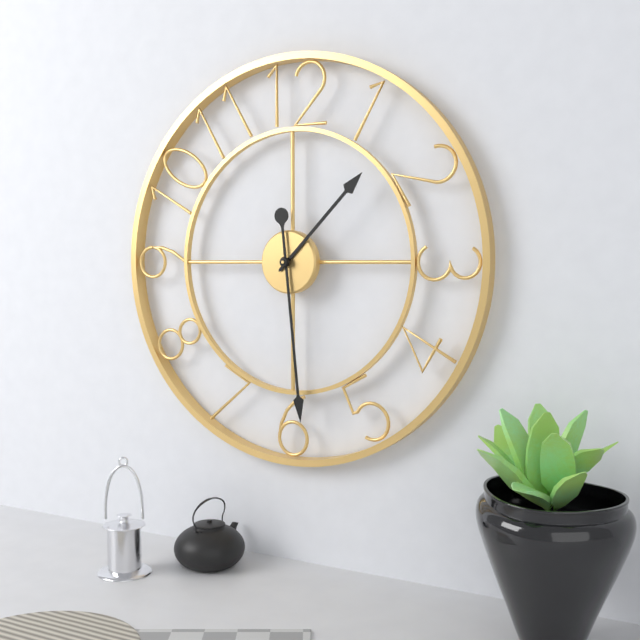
{"hour": 1, "minute": 29}
